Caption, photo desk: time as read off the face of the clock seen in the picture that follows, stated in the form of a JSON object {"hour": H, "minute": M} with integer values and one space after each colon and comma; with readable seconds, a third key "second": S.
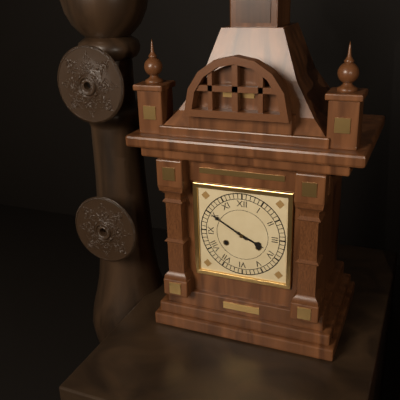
{"hour": 3, "minute": 50}
